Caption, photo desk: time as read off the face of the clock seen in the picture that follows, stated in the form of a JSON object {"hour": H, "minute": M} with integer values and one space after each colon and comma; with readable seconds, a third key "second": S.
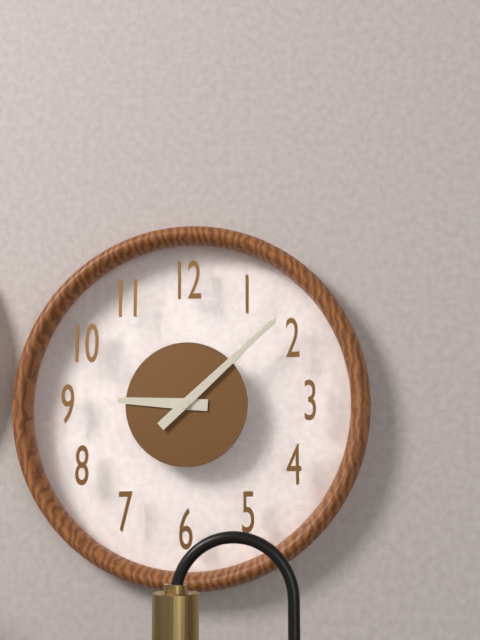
{"hour": 9, "minute": 8}
